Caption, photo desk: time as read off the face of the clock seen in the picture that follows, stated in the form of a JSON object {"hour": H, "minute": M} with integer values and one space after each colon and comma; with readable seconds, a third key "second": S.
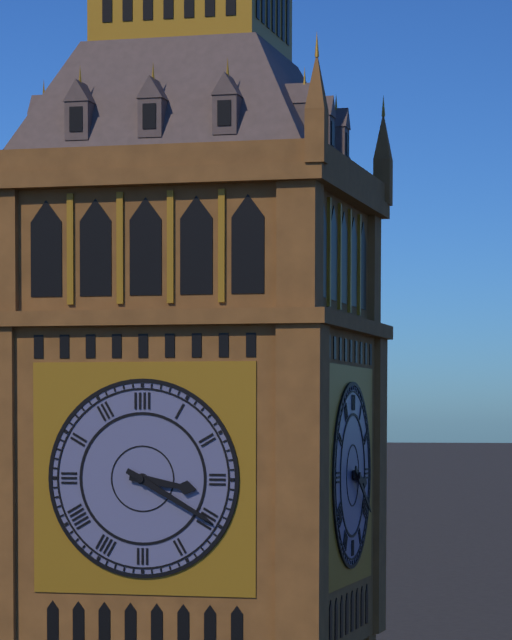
{"hour": 3, "minute": 20}
